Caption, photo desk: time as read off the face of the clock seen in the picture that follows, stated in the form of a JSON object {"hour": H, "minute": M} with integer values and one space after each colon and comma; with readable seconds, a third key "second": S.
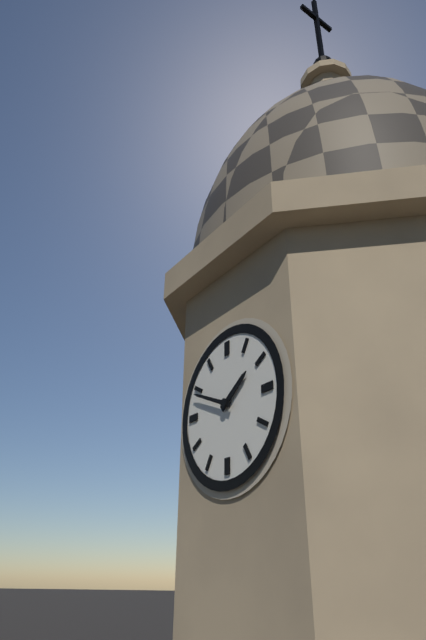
{"hour": 1, "minute": 49}
